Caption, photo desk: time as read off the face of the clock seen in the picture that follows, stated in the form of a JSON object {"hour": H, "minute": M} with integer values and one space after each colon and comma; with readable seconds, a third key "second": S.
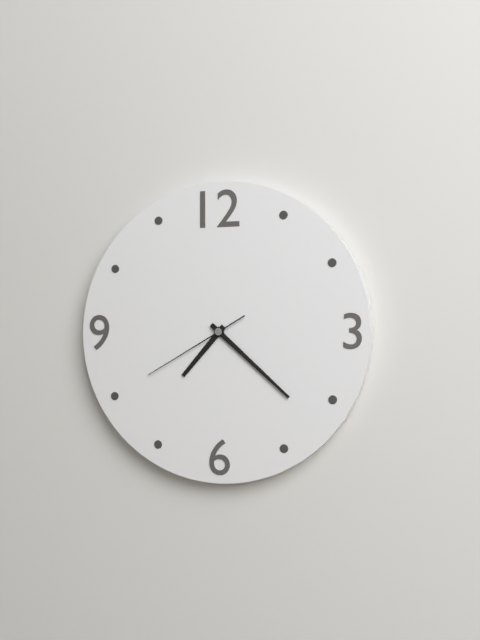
{"hour": 7, "minute": 22, "second": 40}
